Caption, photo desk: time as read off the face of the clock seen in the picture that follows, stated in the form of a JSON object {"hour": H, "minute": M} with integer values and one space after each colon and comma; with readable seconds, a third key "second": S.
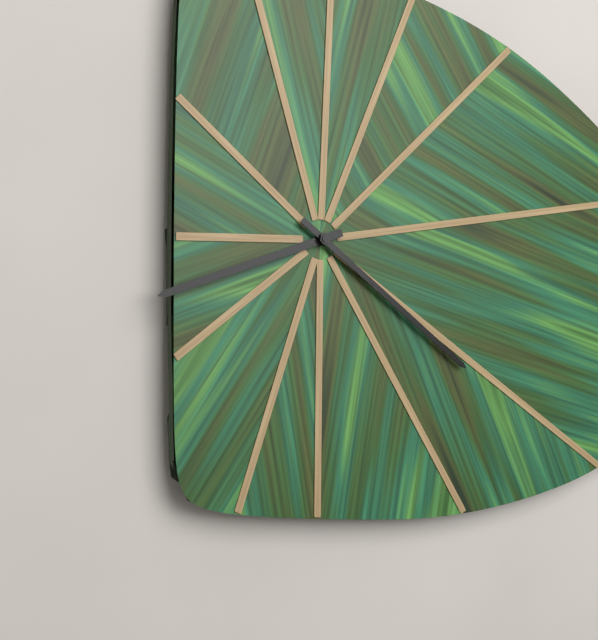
{"hour": 8, "minute": 21}
